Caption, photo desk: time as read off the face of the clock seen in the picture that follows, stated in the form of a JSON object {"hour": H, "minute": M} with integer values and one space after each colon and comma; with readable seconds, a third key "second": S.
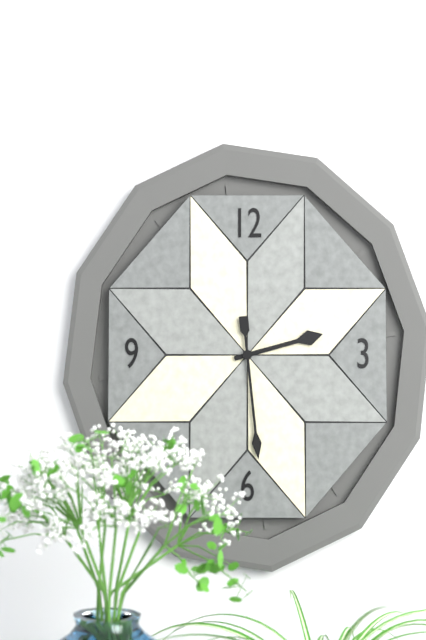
{"hour": 2, "minute": 29}
